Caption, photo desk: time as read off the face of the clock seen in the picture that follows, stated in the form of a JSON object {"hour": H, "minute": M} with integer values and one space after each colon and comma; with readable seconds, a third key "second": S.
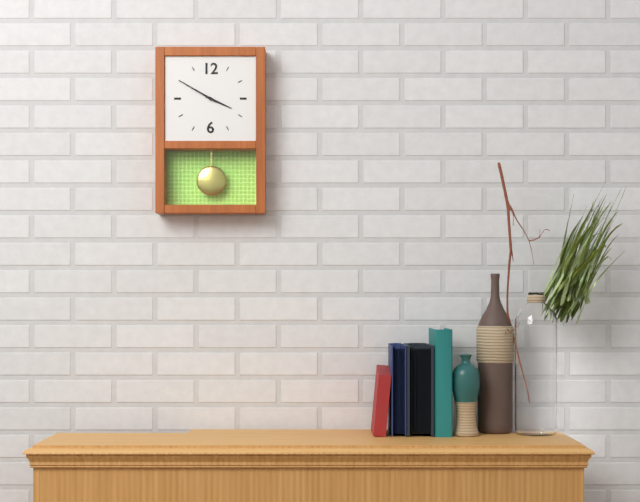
{"hour": 3, "minute": 50}
